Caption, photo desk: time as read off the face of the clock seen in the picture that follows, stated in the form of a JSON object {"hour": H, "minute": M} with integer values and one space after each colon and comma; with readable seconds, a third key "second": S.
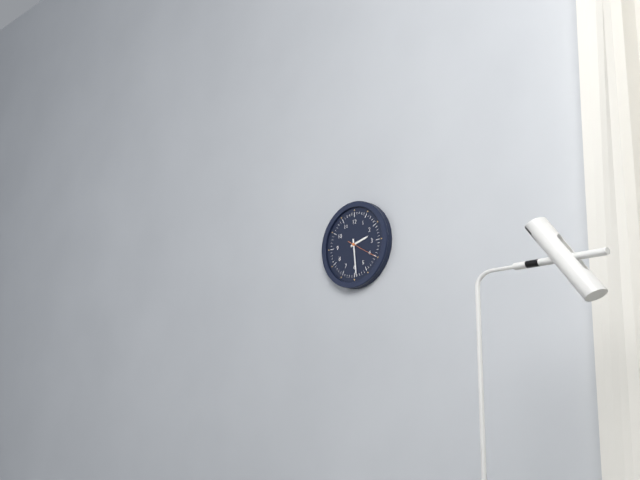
{"hour": 2, "minute": 29}
